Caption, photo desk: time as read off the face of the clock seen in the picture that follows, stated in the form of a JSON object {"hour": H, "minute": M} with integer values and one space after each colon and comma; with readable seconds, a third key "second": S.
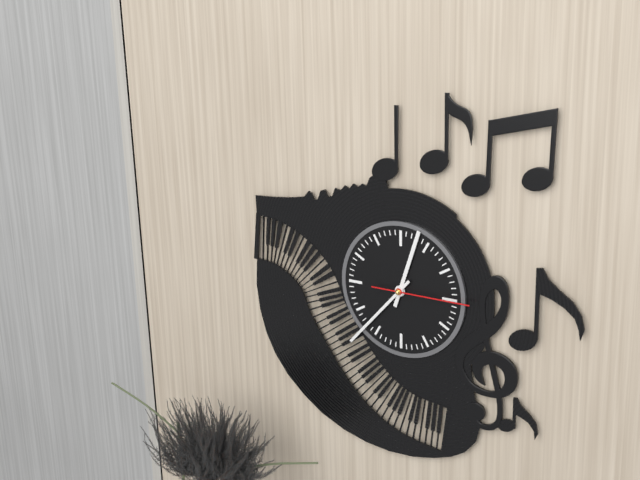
{"hour": 12, "minute": 37, "second": 15}
